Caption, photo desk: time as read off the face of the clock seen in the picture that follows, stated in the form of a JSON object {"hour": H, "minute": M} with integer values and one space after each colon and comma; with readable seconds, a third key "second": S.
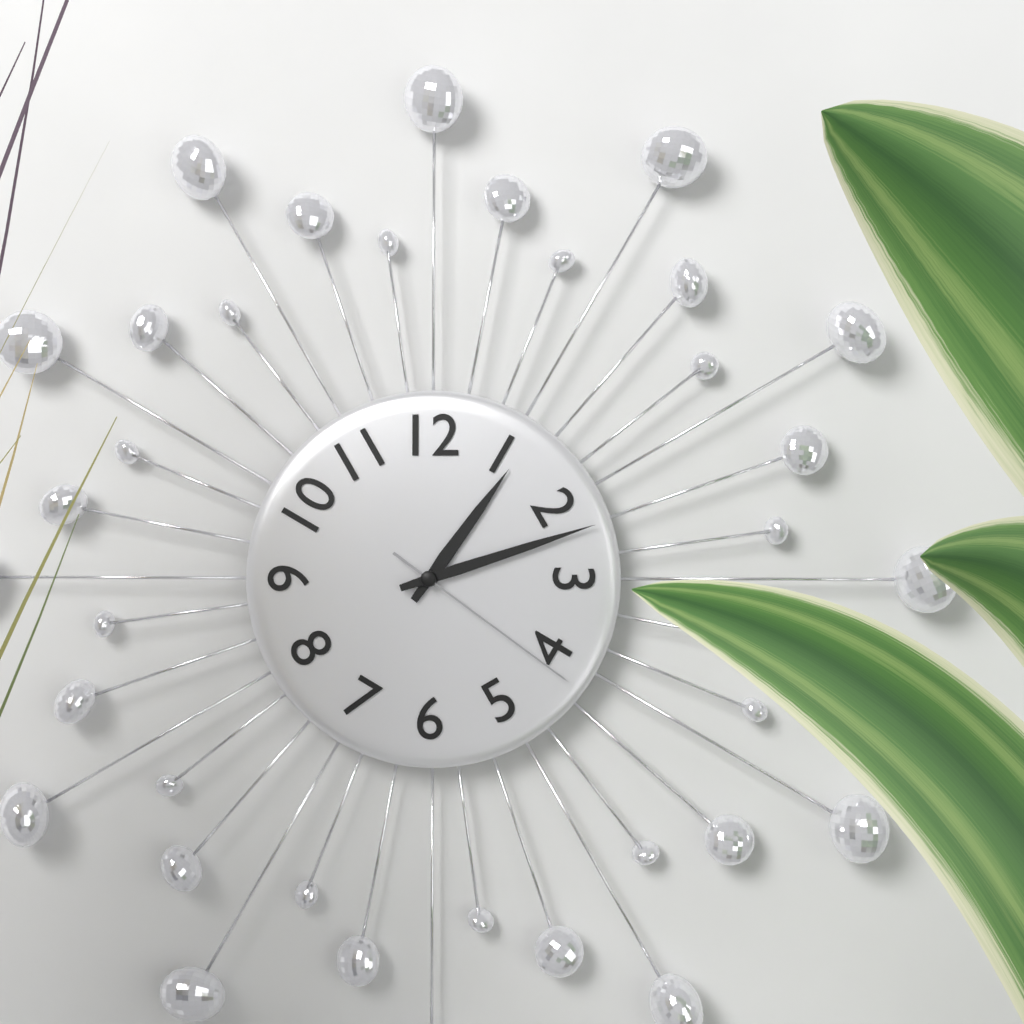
{"hour": 1, "minute": 12, "second": 21}
